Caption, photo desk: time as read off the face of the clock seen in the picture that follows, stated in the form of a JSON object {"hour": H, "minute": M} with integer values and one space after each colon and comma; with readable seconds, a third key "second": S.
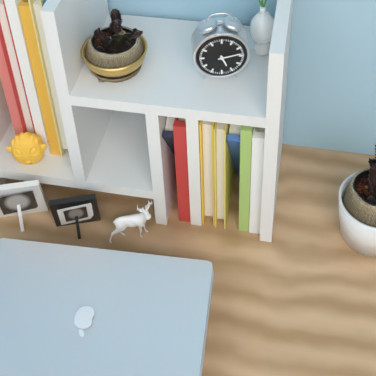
{"hour": 5, "minute": 13}
